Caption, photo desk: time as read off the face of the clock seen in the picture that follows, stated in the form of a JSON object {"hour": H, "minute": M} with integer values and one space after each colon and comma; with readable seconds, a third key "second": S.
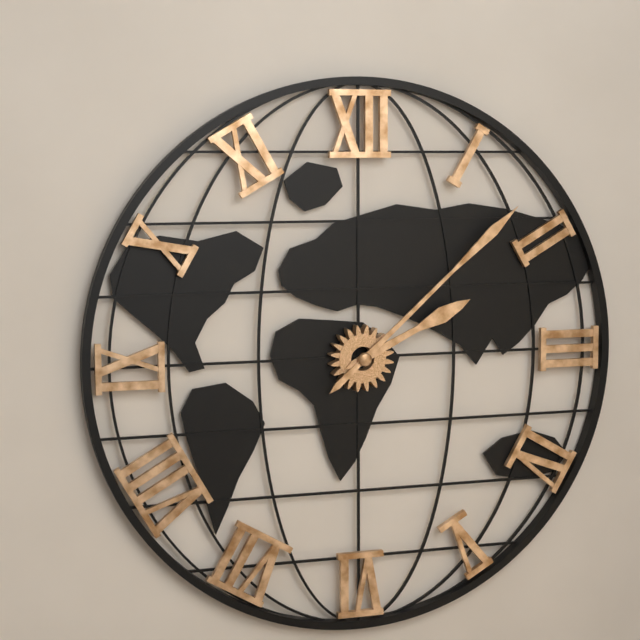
{"hour": 2, "minute": 8}
